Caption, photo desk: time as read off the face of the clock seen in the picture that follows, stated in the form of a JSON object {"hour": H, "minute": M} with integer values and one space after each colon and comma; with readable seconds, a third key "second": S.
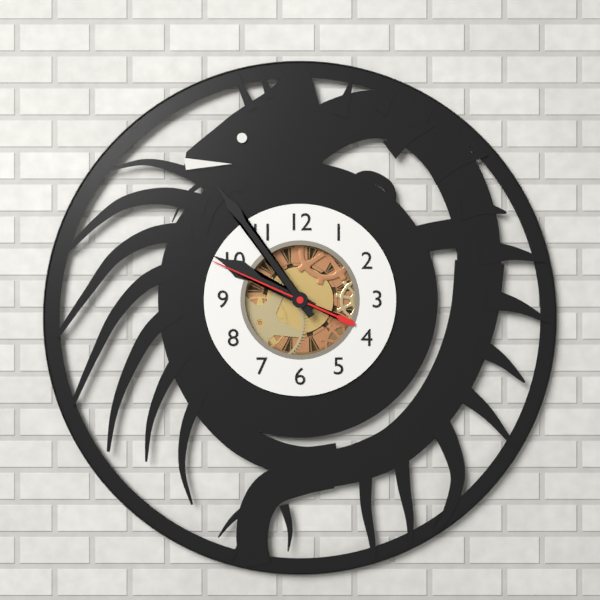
{"hour": 9, "minute": 54, "second": 49}
